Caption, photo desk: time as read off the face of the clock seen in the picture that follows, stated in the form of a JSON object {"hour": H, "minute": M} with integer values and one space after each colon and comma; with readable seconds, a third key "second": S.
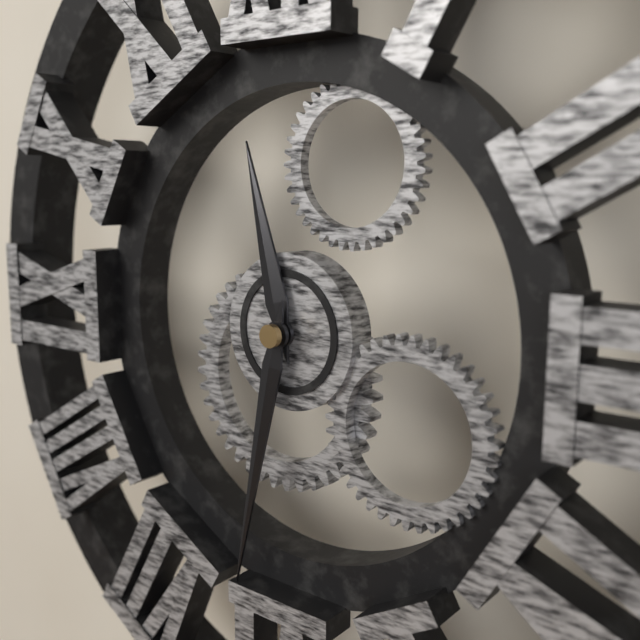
{"hour": 11, "minute": 32}
